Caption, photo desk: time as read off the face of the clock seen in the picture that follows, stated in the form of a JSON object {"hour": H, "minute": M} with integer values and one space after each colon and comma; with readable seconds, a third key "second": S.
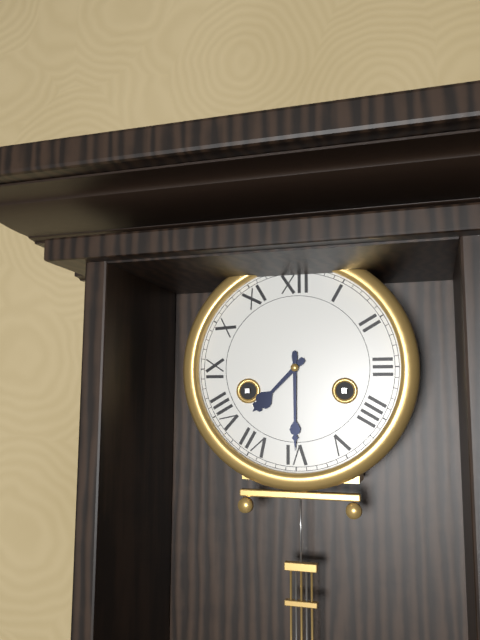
{"hour": 7, "minute": 30}
